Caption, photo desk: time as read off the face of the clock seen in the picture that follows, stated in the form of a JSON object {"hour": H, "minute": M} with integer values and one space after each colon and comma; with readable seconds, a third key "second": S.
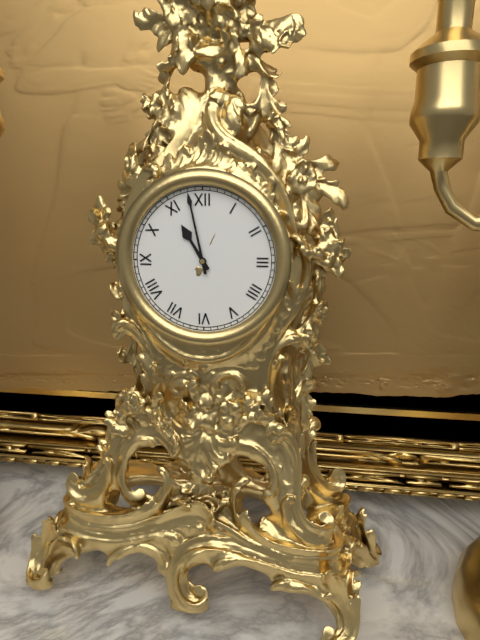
{"hour": 10, "minute": 58}
